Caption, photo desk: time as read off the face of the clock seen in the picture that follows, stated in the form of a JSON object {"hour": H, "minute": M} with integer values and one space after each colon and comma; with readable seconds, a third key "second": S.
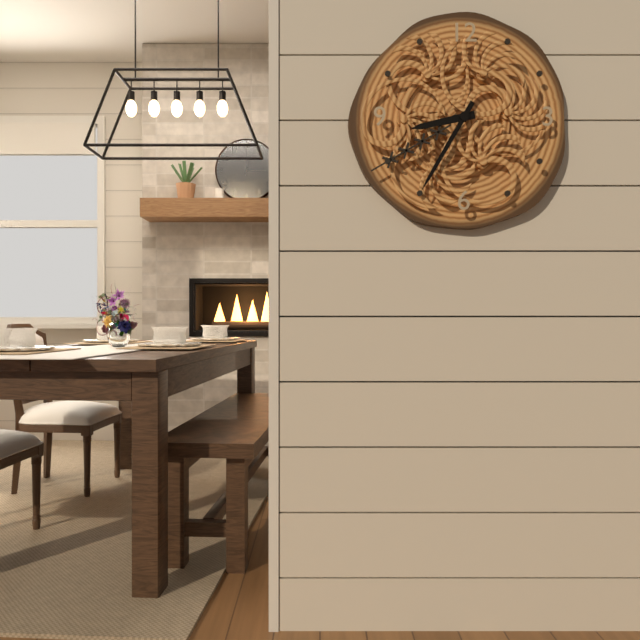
{"hour": 8, "minute": 35}
